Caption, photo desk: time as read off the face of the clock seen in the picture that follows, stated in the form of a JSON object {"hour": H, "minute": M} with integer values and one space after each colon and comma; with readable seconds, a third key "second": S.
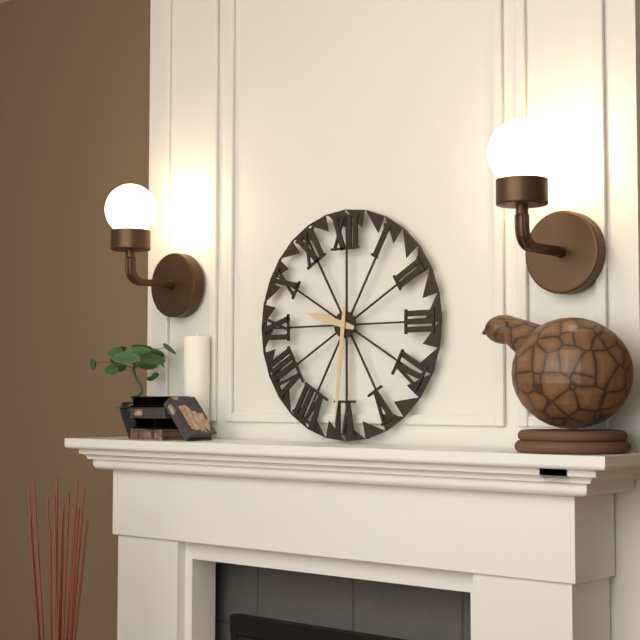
{"hour": 9, "minute": 31}
